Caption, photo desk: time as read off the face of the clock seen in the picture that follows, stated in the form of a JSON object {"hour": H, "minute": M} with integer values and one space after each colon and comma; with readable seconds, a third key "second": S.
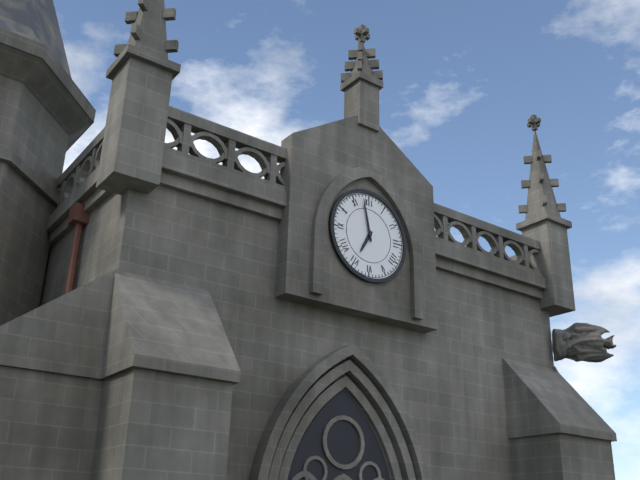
{"hour": 6, "minute": 58}
